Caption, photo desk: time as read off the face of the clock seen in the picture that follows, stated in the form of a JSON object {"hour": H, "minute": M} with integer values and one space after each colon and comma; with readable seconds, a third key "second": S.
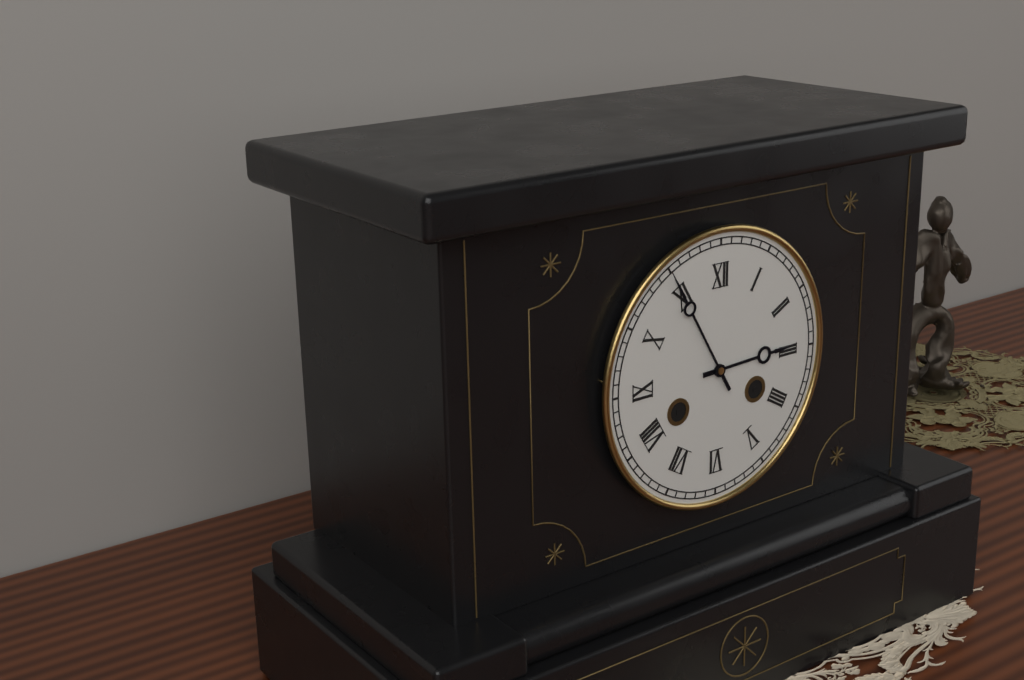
{"hour": 2, "minute": 55}
